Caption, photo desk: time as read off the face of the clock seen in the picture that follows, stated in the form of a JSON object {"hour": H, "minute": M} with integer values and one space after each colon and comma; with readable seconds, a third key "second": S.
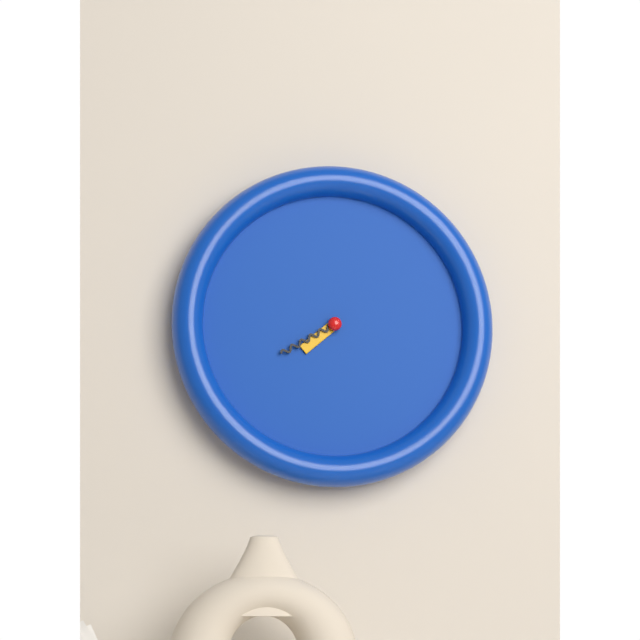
{"hour": 7, "minute": 40}
